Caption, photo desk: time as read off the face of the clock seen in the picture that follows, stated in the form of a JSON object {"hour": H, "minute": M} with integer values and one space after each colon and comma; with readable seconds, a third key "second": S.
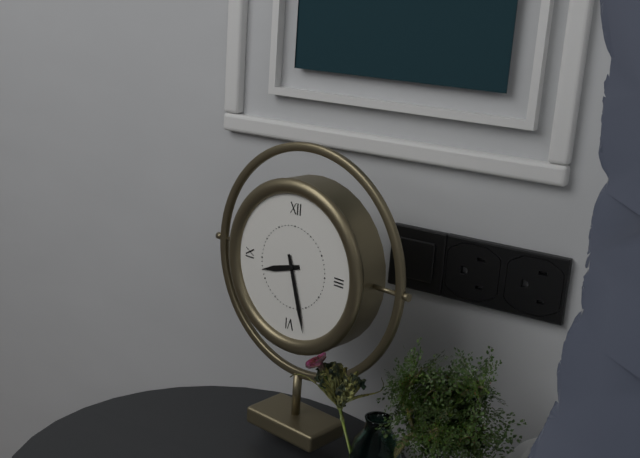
{"hour": 8, "minute": 27}
